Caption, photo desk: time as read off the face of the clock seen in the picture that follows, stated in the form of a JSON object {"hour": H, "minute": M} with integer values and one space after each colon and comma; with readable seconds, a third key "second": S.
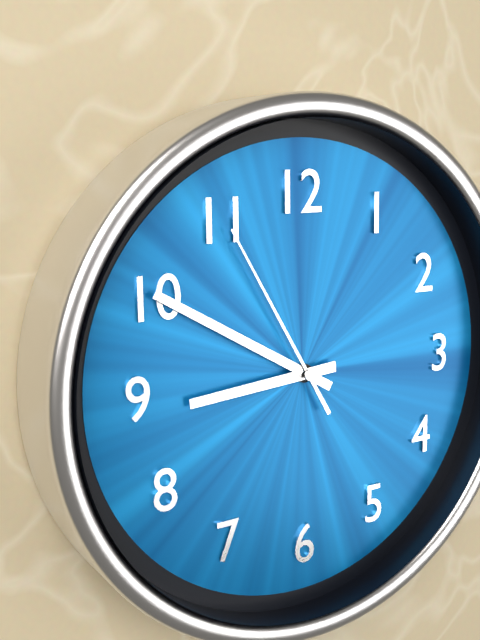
{"hour": 8, "minute": 50, "second": 55}
